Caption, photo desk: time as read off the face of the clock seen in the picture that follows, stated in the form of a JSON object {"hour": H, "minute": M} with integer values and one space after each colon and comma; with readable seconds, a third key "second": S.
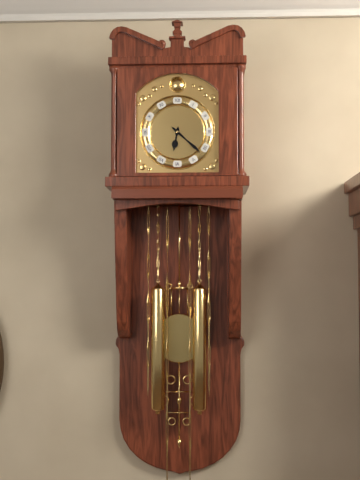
{"hour": 6, "minute": 22}
